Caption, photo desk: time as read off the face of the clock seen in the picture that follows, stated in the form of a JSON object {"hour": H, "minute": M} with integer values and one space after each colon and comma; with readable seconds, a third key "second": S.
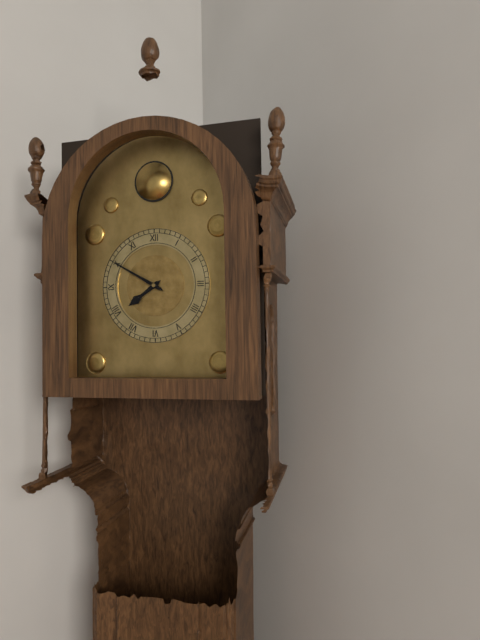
{"hour": 7, "minute": 50}
